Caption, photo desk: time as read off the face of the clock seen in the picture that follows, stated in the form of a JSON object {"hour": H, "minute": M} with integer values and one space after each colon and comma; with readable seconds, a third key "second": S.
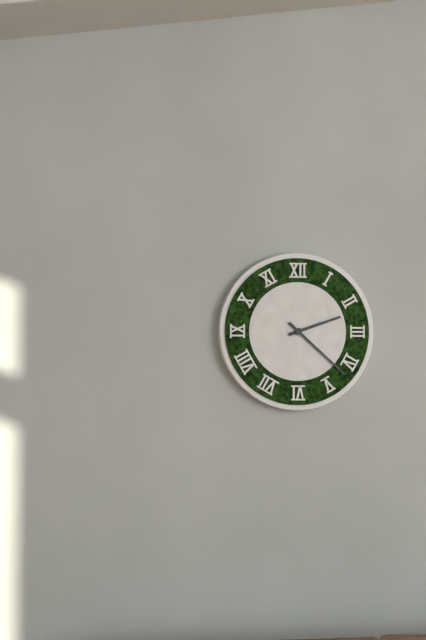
{"hour": 2, "minute": 22}
